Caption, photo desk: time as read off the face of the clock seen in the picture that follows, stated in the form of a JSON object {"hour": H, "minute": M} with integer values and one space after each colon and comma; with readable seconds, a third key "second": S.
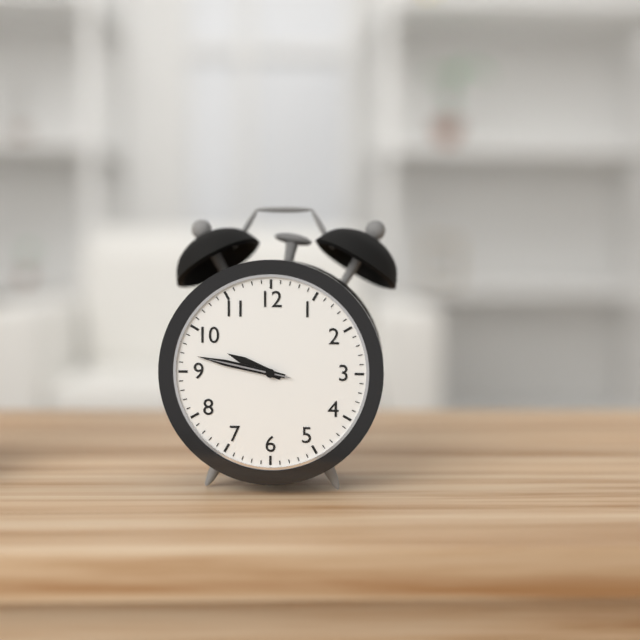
{"hour": 9, "minute": 47, "second": 47}
